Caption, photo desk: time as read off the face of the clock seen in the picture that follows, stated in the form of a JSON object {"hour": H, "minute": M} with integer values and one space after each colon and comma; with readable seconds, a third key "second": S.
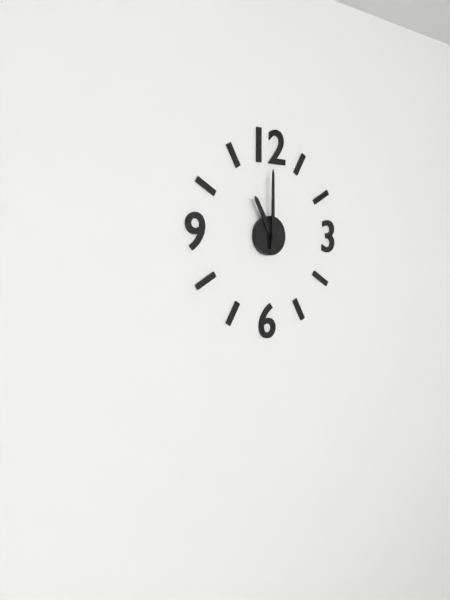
{"hour": 11, "minute": 0}
